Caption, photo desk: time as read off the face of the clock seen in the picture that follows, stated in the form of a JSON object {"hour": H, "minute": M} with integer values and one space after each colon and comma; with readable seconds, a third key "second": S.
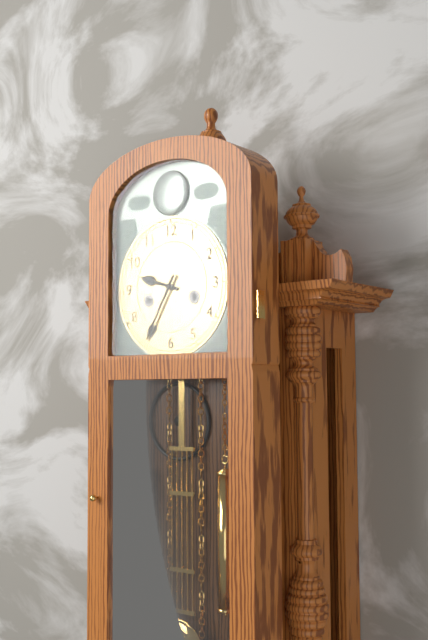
{"hour": 9, "minute": 35}
